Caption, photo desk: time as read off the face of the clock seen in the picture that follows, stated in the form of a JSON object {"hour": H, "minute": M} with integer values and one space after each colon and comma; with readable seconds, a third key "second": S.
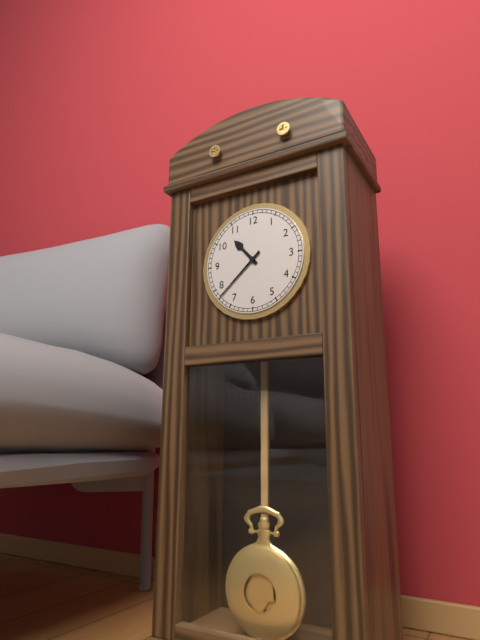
{"hour": 10, "minute": 38}
